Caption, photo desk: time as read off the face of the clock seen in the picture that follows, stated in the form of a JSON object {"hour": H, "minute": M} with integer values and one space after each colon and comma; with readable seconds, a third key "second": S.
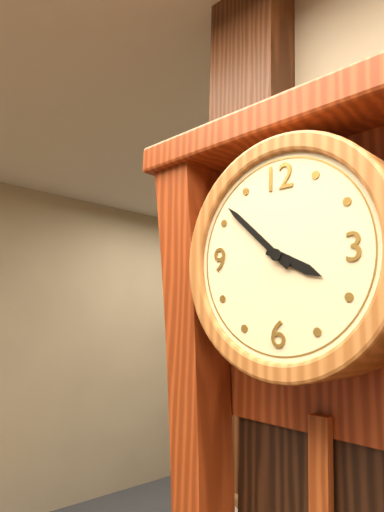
{"hour": 3, "minute": 52}
